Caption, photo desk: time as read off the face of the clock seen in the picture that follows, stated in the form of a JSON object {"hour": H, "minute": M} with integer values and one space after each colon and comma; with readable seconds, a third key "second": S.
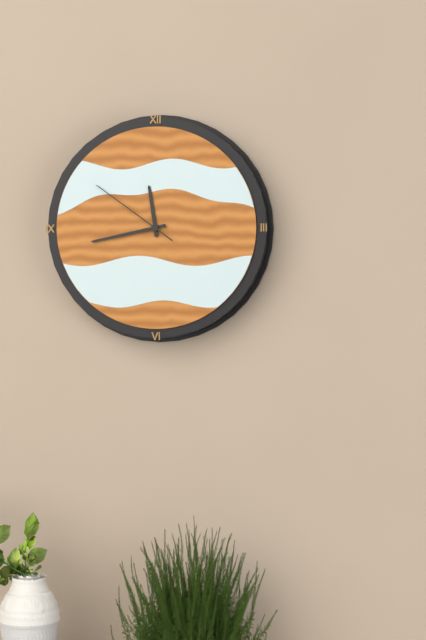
{"hour": 11, "minute": 43, "second": 51}
